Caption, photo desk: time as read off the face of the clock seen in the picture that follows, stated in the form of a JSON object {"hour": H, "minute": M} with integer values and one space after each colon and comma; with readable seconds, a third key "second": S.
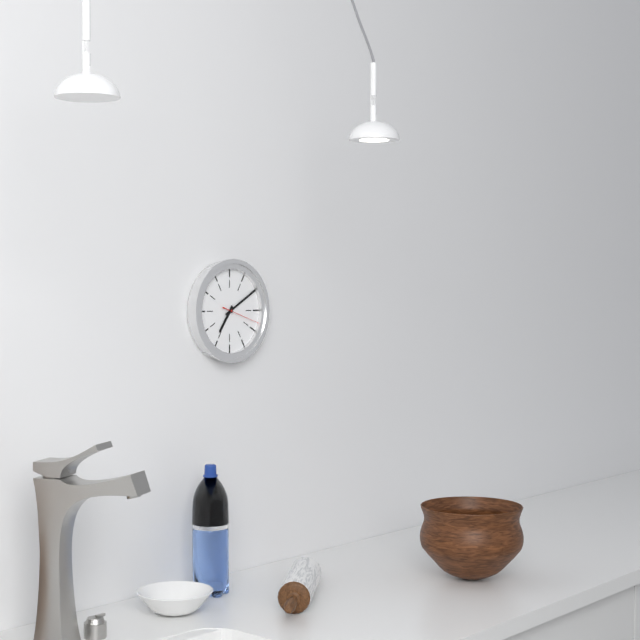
{"hour": 7, "minute": 10}
